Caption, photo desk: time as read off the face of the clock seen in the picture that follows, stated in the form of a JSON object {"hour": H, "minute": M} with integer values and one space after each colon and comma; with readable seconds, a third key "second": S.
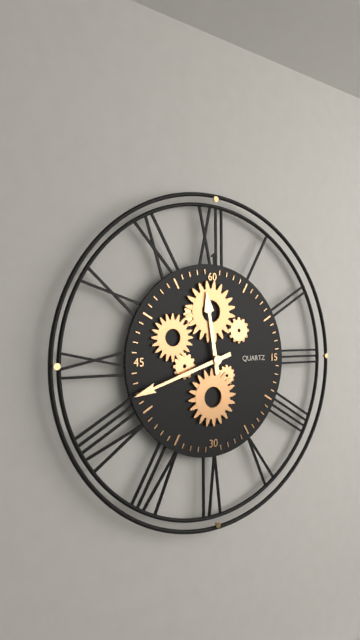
{"hour": 11, "minute": 42}
